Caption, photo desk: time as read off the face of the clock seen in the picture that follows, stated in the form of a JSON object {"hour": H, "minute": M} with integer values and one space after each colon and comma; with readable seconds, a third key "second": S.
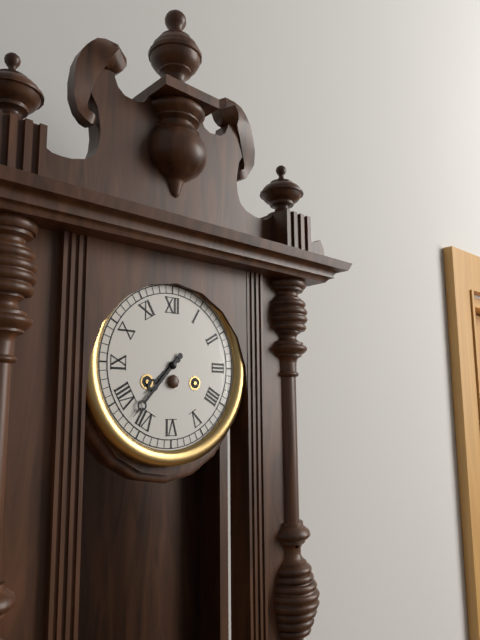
{"hour": 7, "minute": 37}
